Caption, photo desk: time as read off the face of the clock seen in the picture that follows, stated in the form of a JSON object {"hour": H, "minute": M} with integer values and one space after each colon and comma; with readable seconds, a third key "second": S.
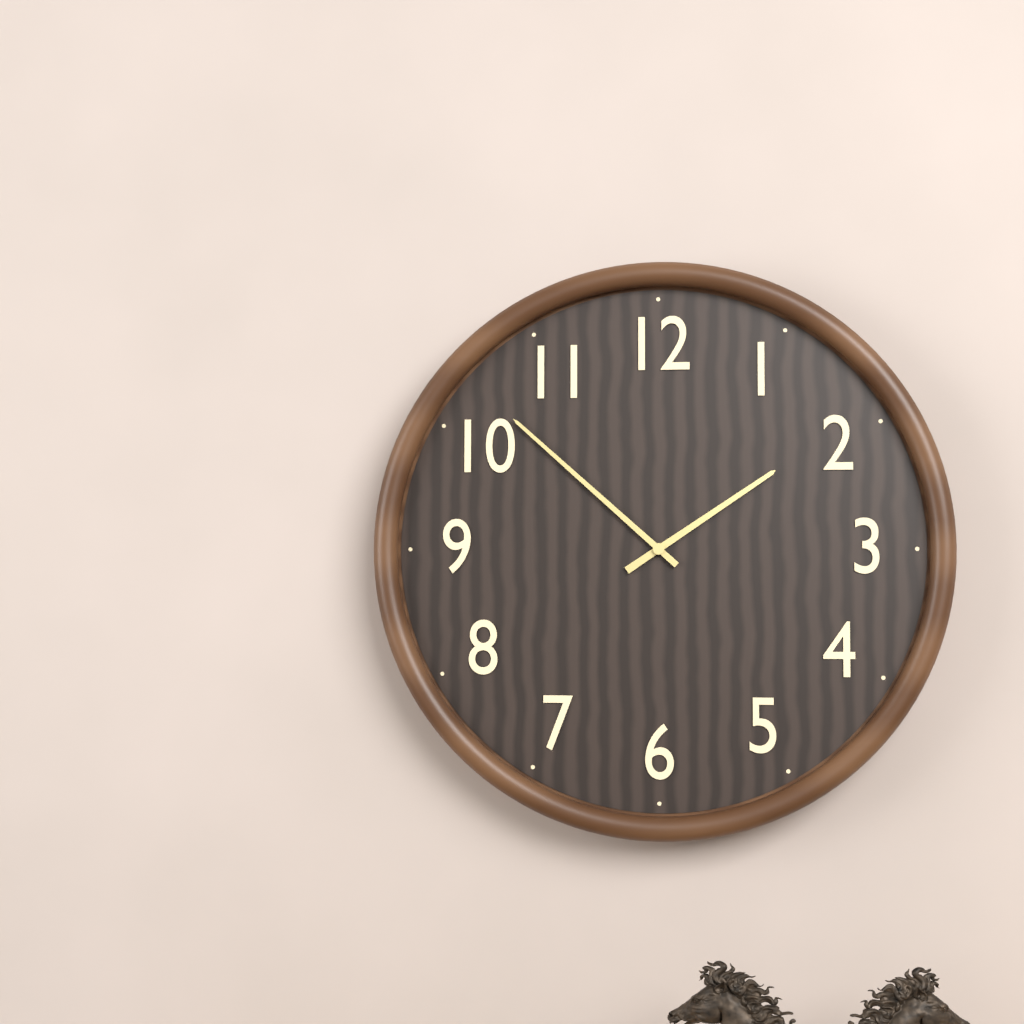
{"hour": 1, "minute": 52}
